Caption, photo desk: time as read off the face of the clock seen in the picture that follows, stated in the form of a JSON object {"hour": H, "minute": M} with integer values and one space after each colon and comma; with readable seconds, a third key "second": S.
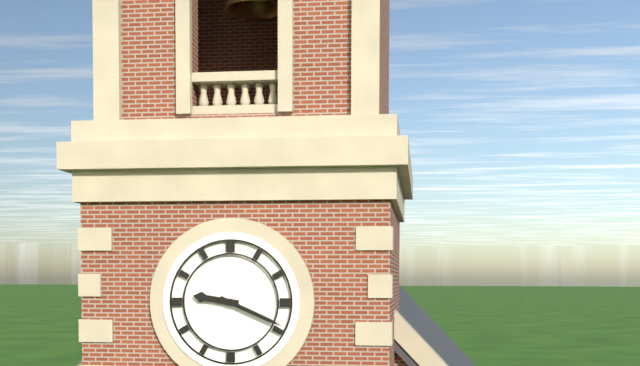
{"hour": 9, "minute": 19}
